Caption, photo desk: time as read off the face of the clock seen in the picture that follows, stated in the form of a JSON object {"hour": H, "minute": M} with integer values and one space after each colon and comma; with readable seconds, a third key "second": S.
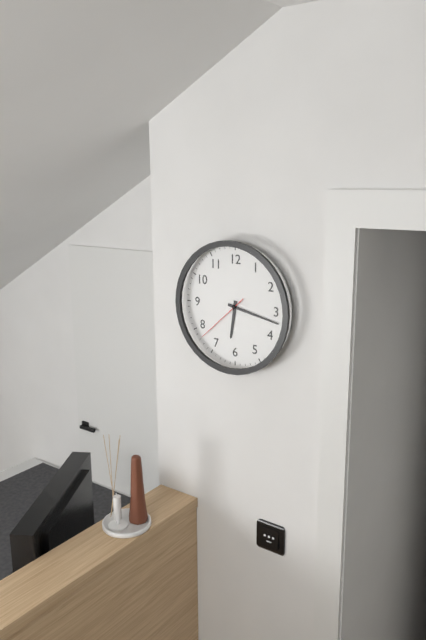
{"hour": 6, "minute": 17, "second": 38}
